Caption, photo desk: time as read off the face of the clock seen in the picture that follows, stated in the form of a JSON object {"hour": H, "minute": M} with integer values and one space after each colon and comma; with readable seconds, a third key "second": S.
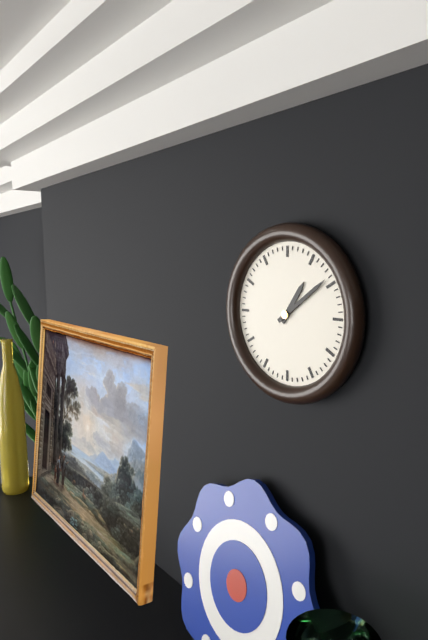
{"hour": 1, "minute": 9}
